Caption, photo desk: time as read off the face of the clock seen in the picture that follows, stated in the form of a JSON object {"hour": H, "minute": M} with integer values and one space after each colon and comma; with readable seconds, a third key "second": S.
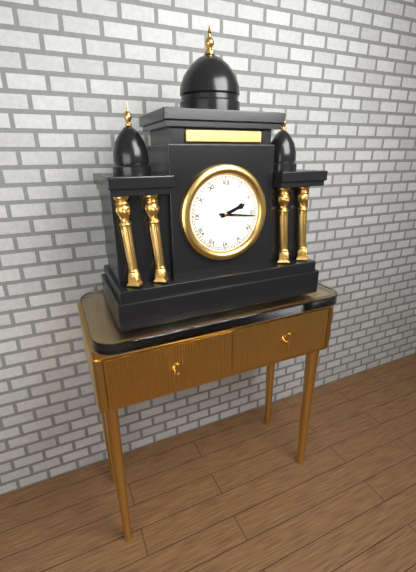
{"hour": 2, "minute": 16}
